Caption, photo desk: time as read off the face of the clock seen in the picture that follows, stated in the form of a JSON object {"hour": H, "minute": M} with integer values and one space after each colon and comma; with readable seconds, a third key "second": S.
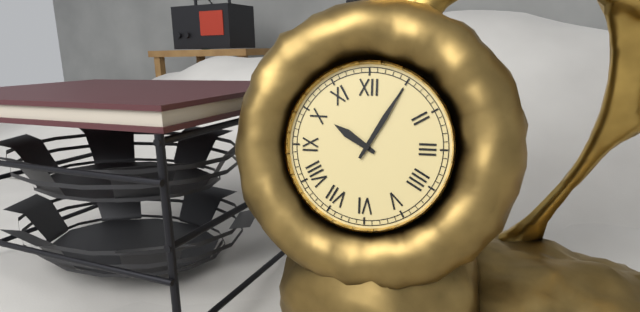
{"hour": 10, "minute": 5}
